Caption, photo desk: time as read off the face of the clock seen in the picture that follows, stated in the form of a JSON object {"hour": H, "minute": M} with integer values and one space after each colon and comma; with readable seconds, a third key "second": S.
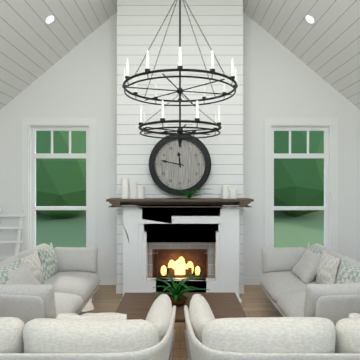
{"hour": 11, "minute": 47}
